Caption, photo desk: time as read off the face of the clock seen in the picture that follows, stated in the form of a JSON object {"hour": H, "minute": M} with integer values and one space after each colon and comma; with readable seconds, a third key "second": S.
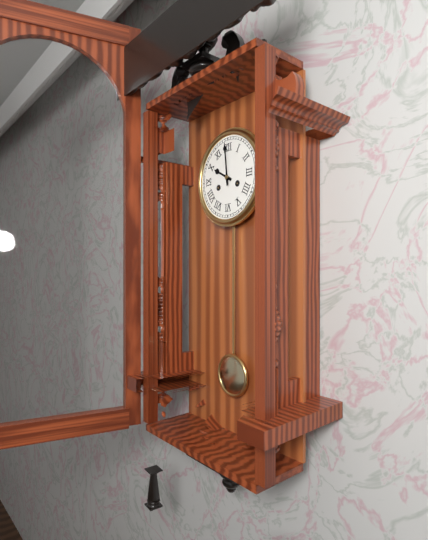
{"hour": 9, "minute": 59}
